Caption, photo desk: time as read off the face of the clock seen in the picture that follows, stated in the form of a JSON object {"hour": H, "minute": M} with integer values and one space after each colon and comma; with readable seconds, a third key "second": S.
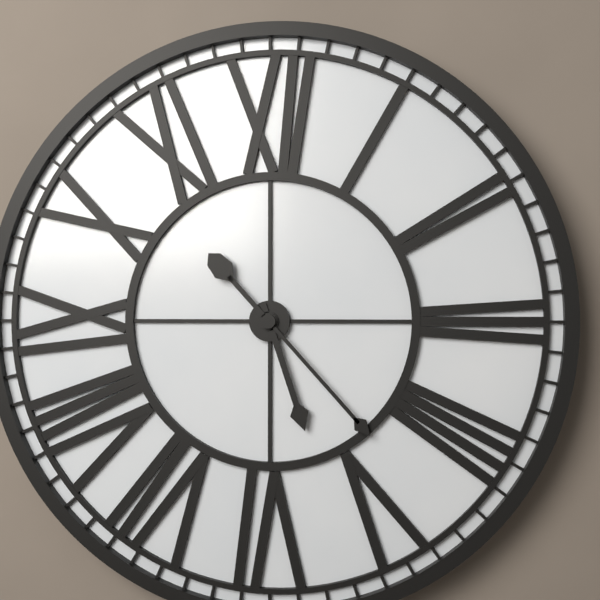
{"hour": 5, "minute": 23}
